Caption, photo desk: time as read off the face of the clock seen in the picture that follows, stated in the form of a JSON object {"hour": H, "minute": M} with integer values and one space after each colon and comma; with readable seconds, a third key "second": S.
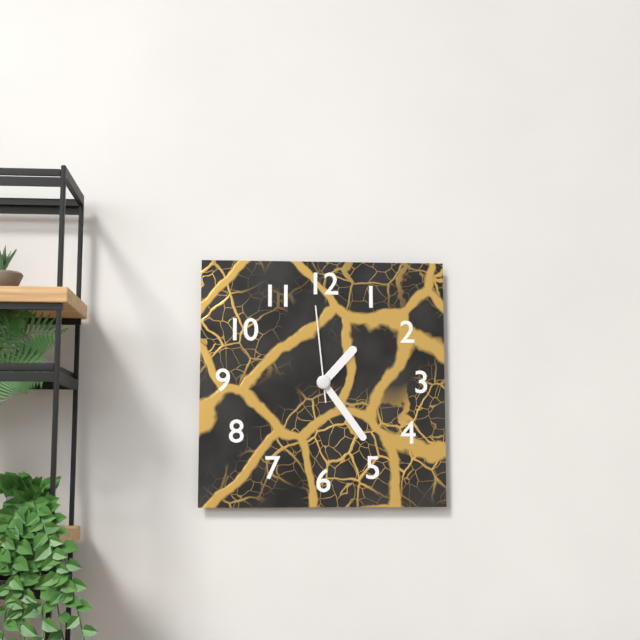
{"hour": 1, "minute": 24, "second": 59}
